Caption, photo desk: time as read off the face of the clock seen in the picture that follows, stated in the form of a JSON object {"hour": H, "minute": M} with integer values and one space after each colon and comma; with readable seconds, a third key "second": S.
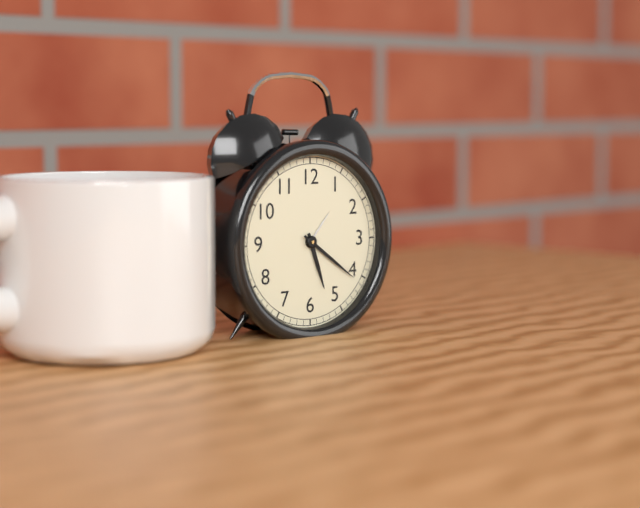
{"hour": 5, "minute": 21}
